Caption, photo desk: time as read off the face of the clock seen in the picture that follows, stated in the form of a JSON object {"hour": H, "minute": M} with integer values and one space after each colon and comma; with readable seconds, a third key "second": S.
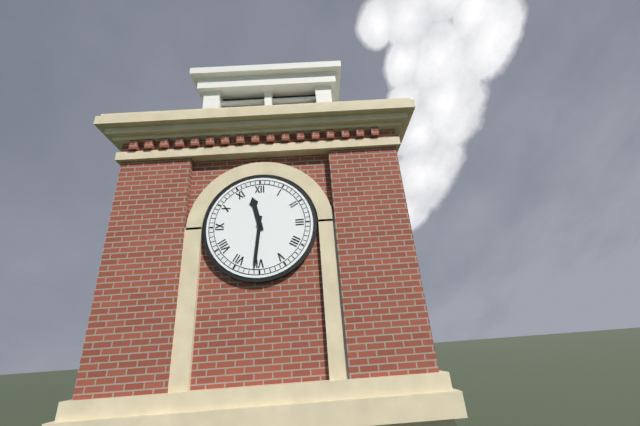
{"hour": 11, "minute": 31}
